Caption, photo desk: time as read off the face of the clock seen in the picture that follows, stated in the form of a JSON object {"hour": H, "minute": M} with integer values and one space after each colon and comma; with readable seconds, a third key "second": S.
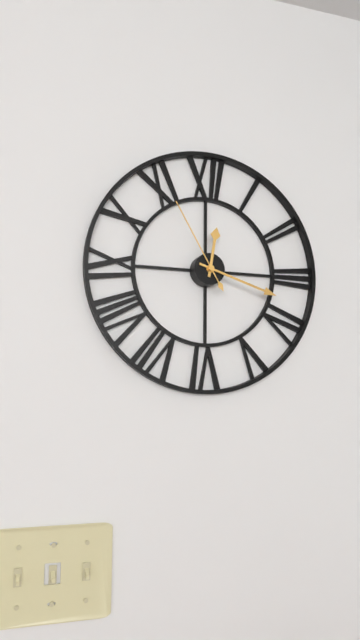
{"hour": 12, "minute": 18, "second": 55}
